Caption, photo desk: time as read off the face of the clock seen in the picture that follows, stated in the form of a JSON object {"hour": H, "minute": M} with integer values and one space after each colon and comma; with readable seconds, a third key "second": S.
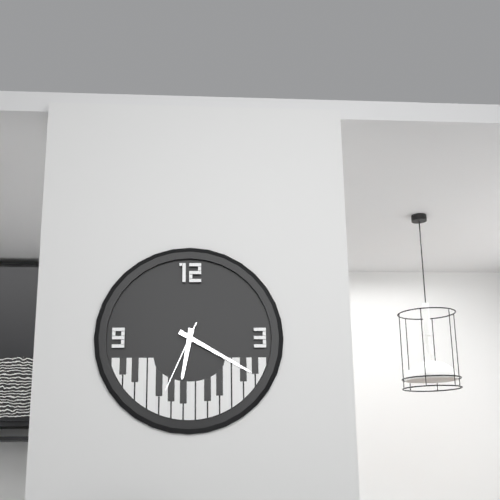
{"hour": 6, "minute": 20, "second": 34}
